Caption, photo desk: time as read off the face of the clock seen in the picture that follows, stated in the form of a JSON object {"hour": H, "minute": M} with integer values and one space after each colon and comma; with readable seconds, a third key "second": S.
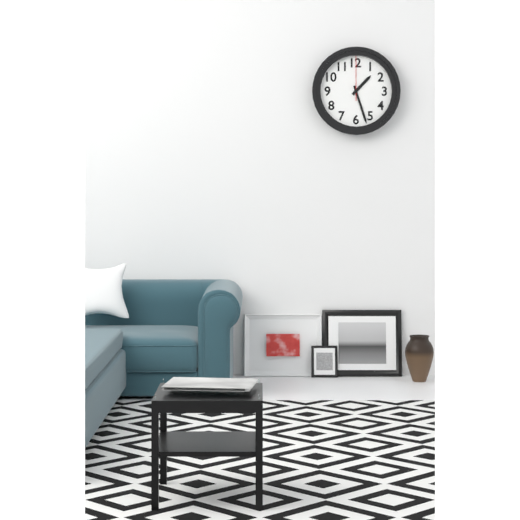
{"hour": 1, "minute": 27}
